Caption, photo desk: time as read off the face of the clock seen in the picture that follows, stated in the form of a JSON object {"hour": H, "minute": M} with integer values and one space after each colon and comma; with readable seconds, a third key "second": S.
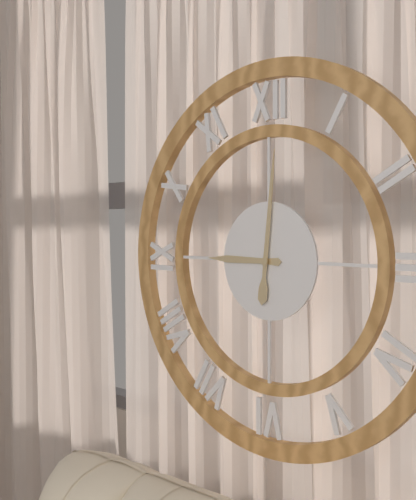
{"hour": 9, "minute": 1}
